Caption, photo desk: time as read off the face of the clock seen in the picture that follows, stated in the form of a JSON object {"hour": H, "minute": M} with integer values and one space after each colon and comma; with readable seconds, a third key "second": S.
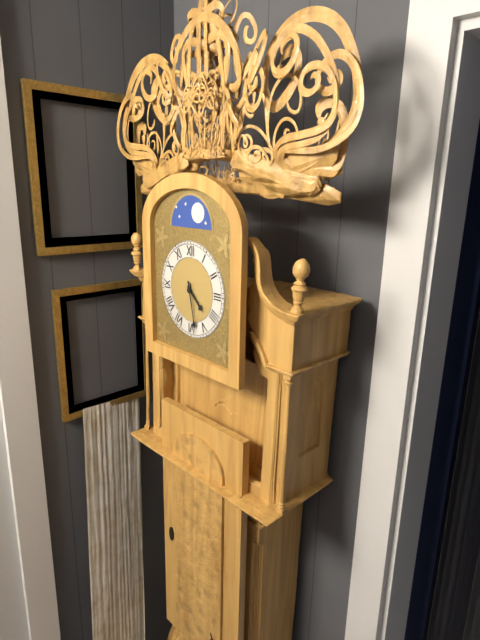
{"hour": 4, "minute": 28}
